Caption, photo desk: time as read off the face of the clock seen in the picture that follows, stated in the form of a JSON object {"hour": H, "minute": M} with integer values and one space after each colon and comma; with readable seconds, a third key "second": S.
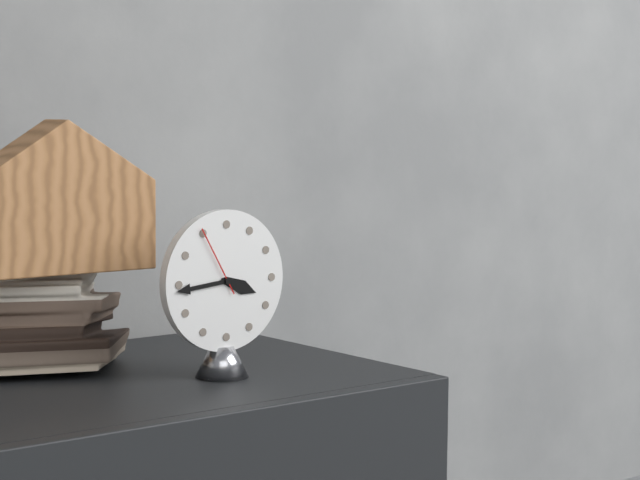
{"hour": 3, "minute": 44, "second": 55}
